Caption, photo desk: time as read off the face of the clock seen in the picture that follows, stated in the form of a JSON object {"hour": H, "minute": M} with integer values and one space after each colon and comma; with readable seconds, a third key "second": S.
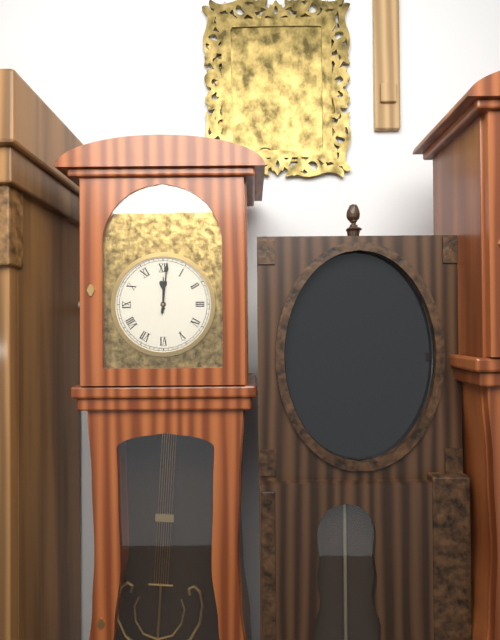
{"hour": 12, "minute": 1}
